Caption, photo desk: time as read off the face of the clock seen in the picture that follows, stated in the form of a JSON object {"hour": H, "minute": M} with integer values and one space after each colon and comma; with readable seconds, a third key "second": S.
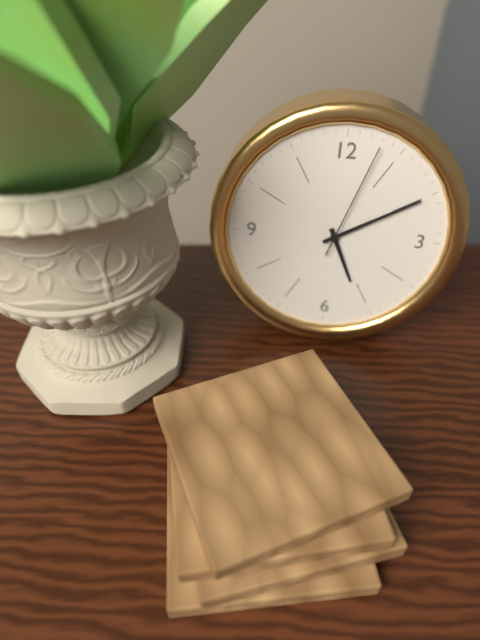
{"hour": 5, "minute": 10, "second": 3}
